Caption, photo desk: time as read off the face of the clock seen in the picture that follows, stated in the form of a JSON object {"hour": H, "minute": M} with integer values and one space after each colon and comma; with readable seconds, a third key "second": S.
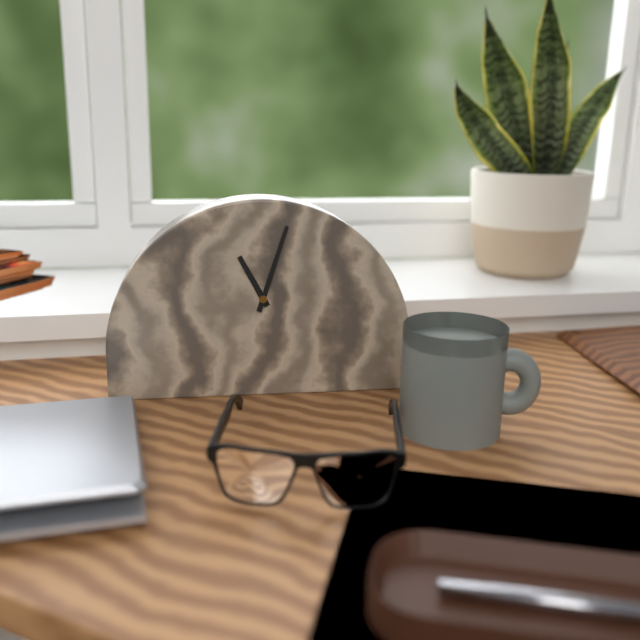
{"hour": 11, "minute": 3}
